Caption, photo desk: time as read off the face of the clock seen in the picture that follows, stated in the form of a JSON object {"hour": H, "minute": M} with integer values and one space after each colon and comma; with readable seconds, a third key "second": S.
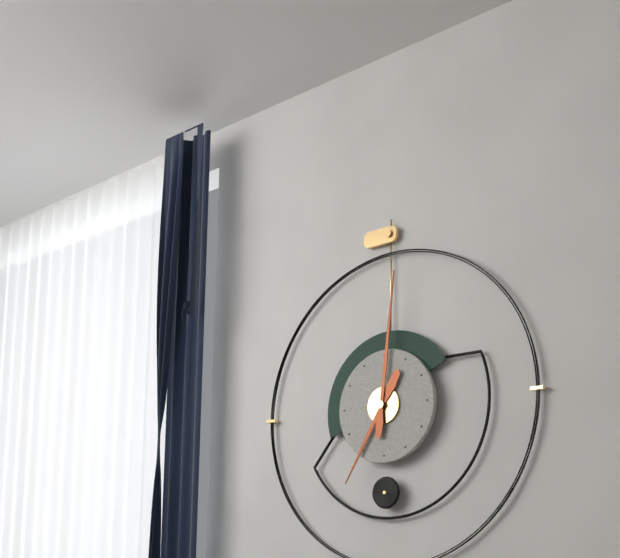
{"hour": 7, "minute": 1}
